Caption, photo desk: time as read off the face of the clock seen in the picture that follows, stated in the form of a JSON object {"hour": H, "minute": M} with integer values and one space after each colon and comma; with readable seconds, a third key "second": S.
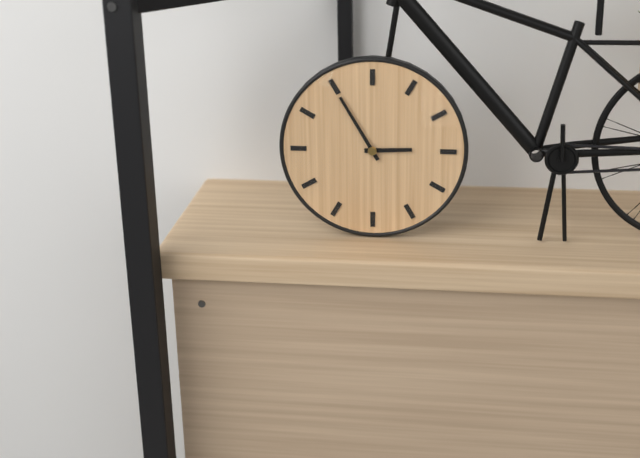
{"hour": 2, "minute": 55}
